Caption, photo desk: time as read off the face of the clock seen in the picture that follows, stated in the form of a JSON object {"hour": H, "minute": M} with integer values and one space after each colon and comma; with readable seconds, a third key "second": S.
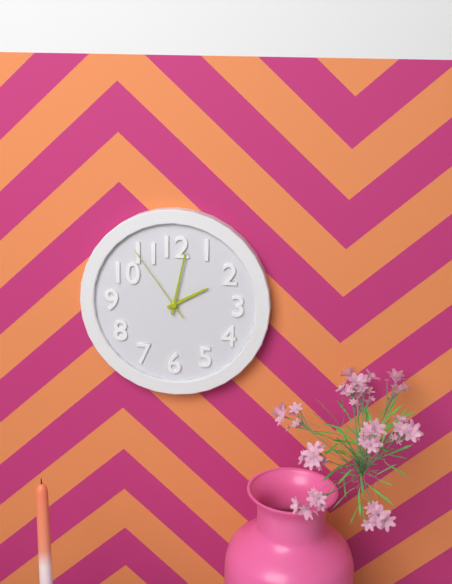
{"hour": 2, "minute": 2, "second": 54}
